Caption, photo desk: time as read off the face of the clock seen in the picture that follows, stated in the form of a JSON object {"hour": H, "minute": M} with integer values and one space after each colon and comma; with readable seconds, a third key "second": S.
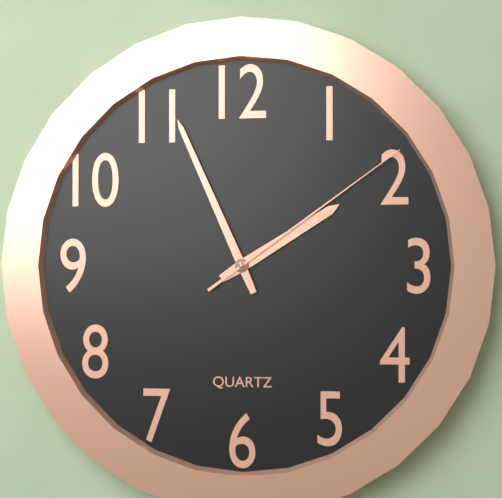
{"hour": 1, "minute": 56, "second": 9}
